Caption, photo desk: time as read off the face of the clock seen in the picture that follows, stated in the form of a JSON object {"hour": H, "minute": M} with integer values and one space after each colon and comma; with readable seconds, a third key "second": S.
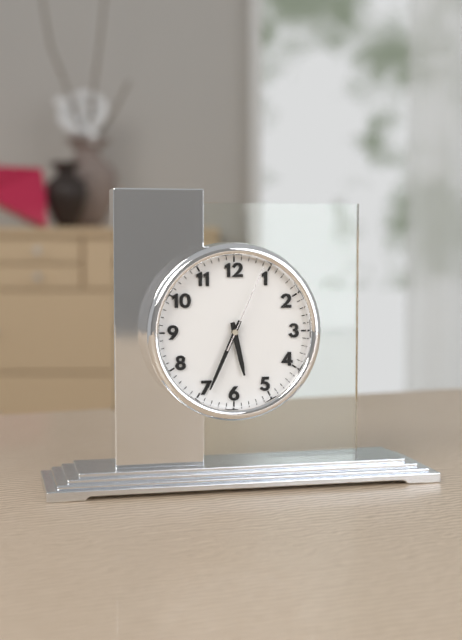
{"hour": 5, "minute": 34, "second": 4}
